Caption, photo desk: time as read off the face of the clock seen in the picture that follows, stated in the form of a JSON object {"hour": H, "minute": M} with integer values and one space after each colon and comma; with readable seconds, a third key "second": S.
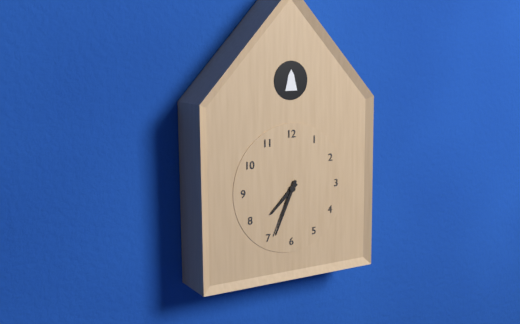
{"hour": 7, "minute": 34}
